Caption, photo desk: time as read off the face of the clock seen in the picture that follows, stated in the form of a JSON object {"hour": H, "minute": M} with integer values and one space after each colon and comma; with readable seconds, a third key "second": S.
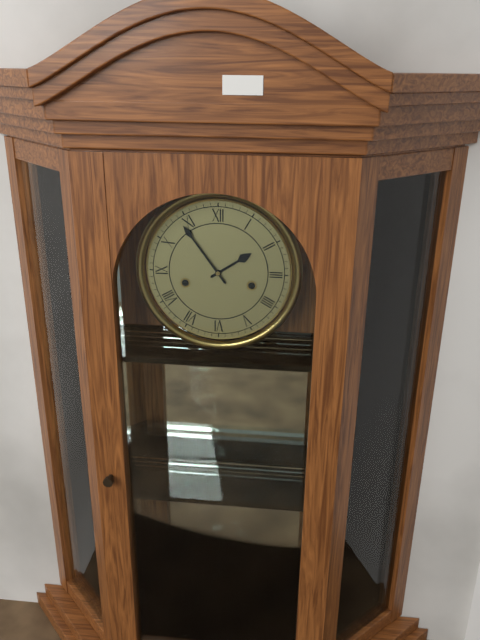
{"hour": 1, "minute": 54}
